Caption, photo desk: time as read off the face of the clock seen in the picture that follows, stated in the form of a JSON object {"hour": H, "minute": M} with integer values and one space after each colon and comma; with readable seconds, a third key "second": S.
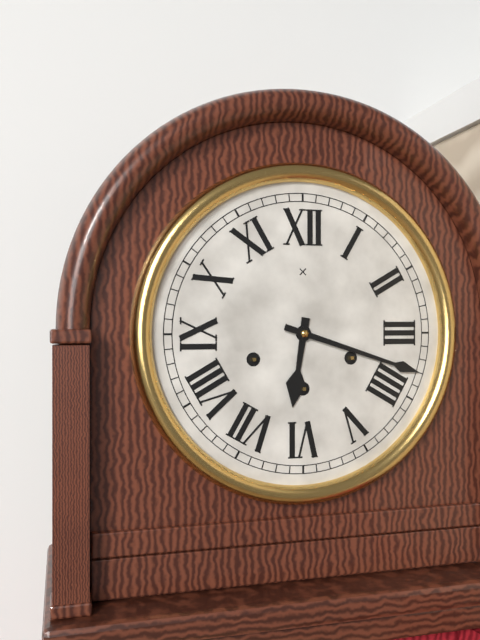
{"hour": 6, "minute": 18}
